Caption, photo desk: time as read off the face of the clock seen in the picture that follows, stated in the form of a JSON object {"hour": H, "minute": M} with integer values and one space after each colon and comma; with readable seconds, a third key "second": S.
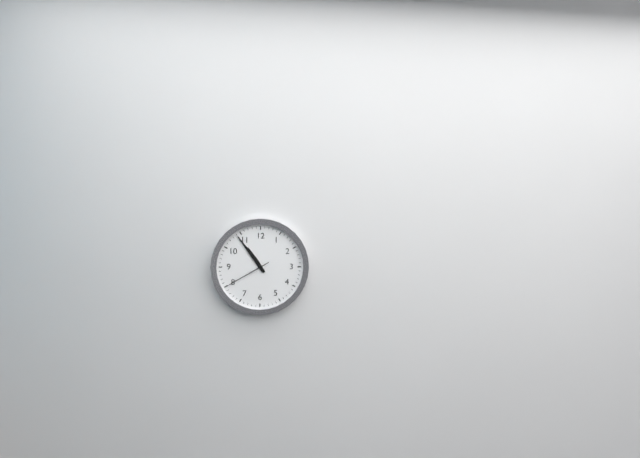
{"hour": 10, "minute": 54, "second": 40}
